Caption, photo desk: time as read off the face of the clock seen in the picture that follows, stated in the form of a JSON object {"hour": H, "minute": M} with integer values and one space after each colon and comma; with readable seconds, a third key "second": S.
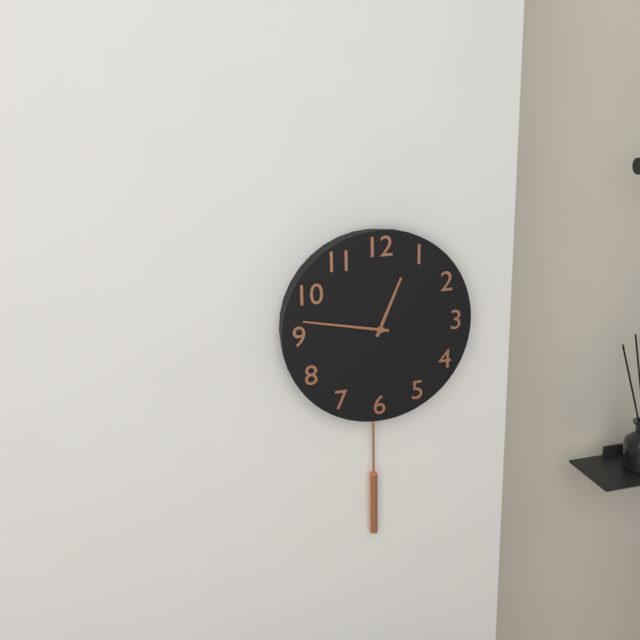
{"hour": 12, "minute": 47}
